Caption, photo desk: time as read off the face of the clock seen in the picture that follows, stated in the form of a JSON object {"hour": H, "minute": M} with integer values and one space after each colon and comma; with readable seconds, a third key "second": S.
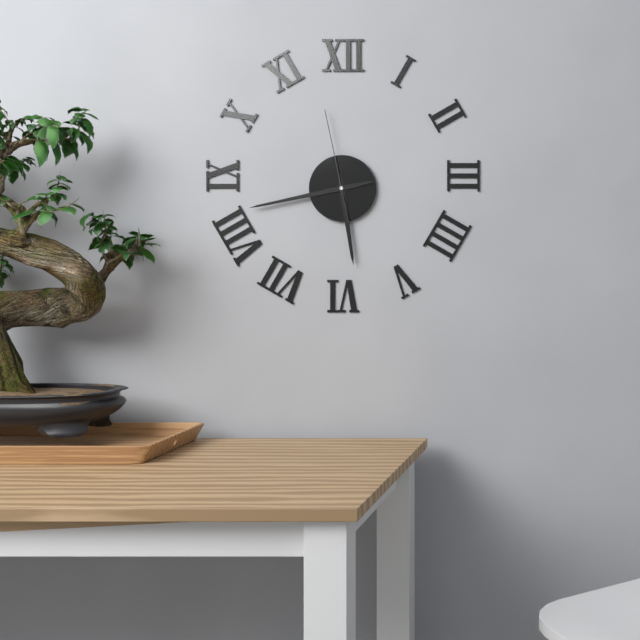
{"hour": 5, "minute": 43, "second": 58}
